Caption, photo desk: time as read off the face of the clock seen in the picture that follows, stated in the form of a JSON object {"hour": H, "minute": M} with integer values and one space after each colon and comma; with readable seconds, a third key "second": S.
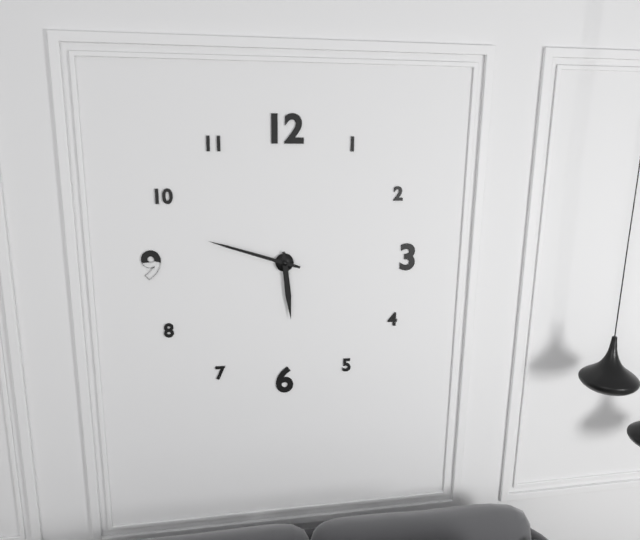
{"hour": 5, "minute": 48}
